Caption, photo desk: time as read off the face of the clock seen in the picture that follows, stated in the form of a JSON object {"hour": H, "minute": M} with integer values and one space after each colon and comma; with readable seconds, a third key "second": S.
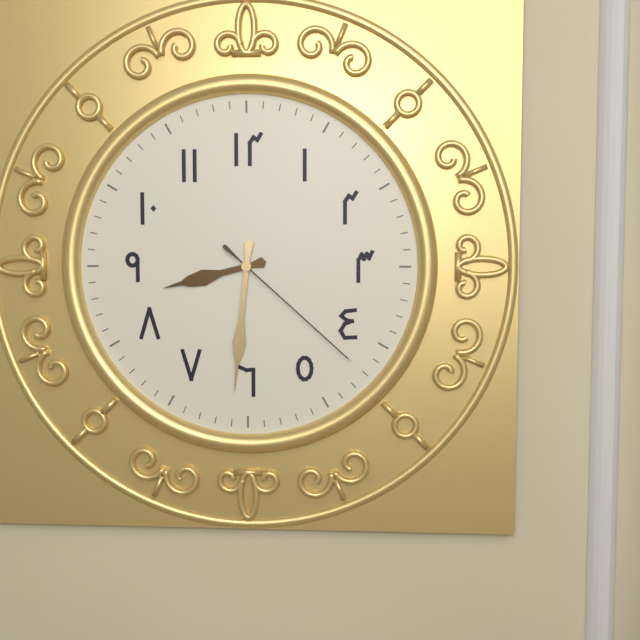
{"hour": 8, "minute": 31, "second": 22}
